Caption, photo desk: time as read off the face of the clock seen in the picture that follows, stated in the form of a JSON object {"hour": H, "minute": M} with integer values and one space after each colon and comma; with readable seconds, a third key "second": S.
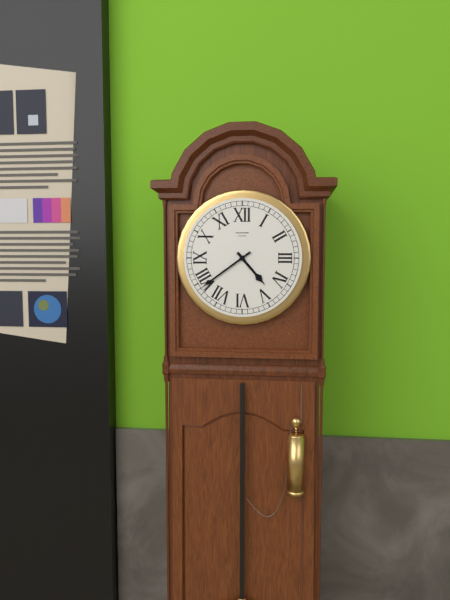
{"hour": 4, "minute": 39}
